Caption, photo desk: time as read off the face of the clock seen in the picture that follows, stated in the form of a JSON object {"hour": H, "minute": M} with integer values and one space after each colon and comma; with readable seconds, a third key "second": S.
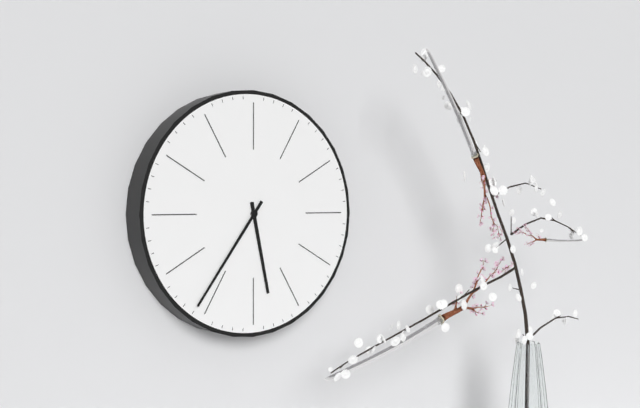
{"hour": 5, "minute": 36}
